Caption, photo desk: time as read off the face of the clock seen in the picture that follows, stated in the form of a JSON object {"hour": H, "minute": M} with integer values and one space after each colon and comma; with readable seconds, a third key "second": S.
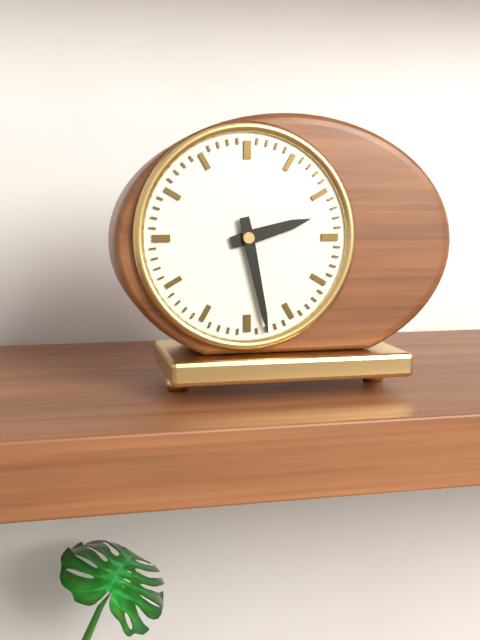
{"hour": 2, "minute": 28}
